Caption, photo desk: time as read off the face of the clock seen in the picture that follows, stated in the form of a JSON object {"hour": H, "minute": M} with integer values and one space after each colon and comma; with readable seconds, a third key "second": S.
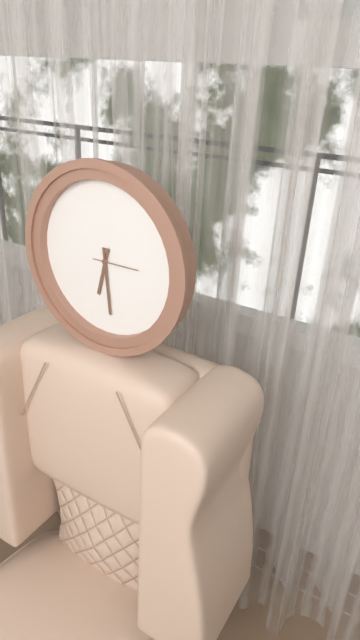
{"hour": 6, "minute": 29}
